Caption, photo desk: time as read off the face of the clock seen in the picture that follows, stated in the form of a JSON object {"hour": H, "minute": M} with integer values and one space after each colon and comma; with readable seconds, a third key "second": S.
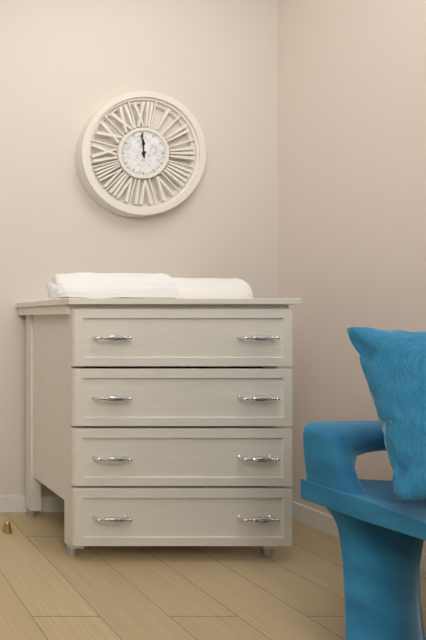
{"hour": 11, "minute": 59}
